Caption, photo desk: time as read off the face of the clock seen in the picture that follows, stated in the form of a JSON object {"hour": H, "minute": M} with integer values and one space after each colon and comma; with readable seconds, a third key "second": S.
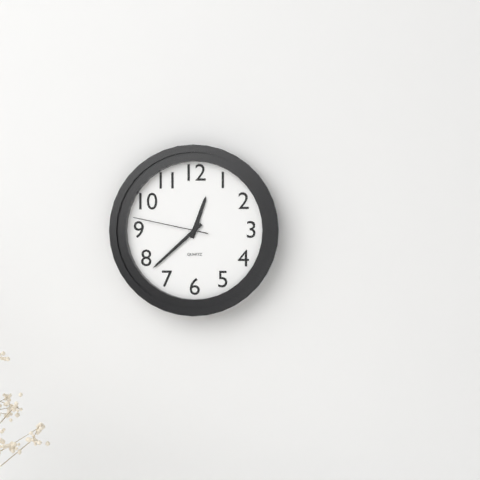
{"hour": 12, "minute": 38, "second": 47}
